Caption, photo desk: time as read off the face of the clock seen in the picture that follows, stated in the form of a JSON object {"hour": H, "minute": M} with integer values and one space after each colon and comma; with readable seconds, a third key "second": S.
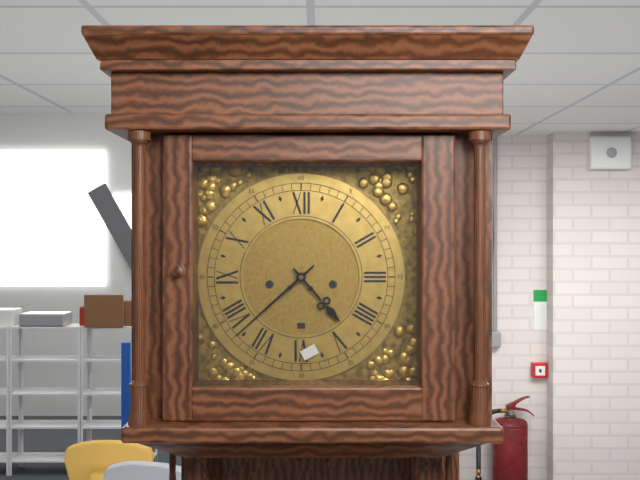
{"hour": 4, "minute": 38}
